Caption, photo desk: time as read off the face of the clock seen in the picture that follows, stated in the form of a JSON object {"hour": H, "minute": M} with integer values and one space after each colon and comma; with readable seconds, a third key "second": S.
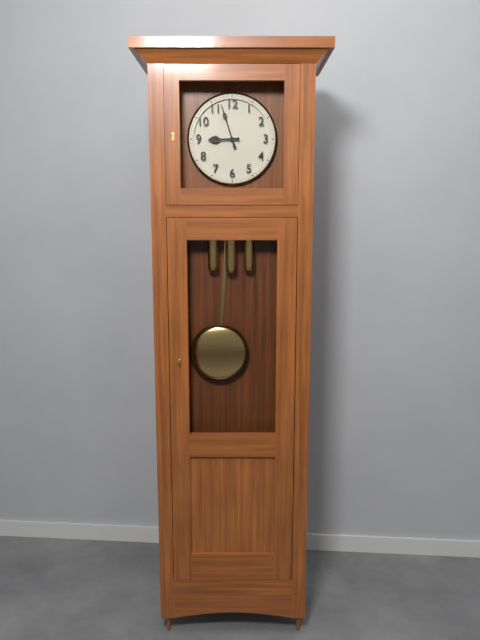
{"hour": 8, "minute": 57}
